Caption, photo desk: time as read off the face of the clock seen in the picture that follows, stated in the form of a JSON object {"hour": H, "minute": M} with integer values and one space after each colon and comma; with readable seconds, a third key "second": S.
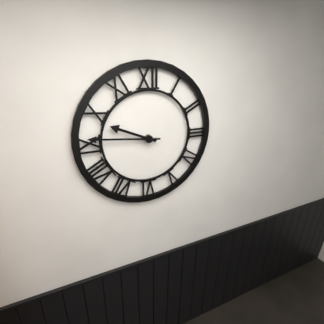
{"hour": 9, "minute": 46}
